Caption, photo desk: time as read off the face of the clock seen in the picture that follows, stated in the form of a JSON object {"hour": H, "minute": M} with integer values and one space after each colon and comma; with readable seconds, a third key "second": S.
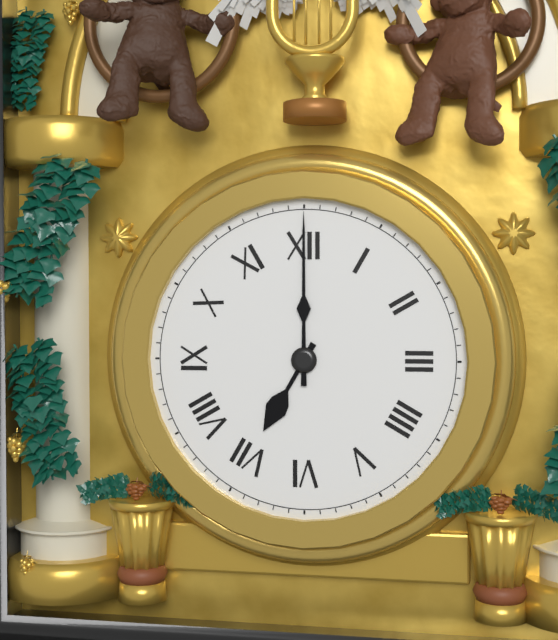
{"hour": 7, "minute": 0}
